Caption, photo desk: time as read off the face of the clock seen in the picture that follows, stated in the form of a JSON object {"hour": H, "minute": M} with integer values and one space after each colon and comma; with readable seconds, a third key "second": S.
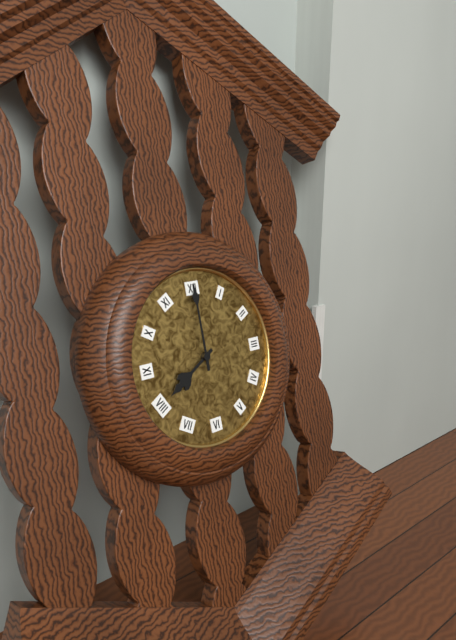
{"hour": 8, "minute": 0}
